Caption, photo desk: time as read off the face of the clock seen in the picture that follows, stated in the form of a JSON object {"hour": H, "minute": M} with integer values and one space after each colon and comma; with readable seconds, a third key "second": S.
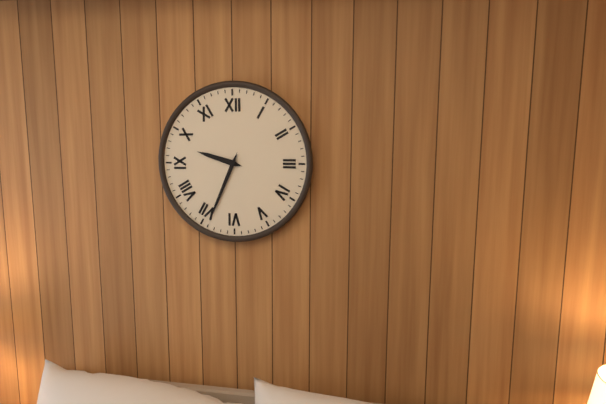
{"hour": 9, "minute": 34}
